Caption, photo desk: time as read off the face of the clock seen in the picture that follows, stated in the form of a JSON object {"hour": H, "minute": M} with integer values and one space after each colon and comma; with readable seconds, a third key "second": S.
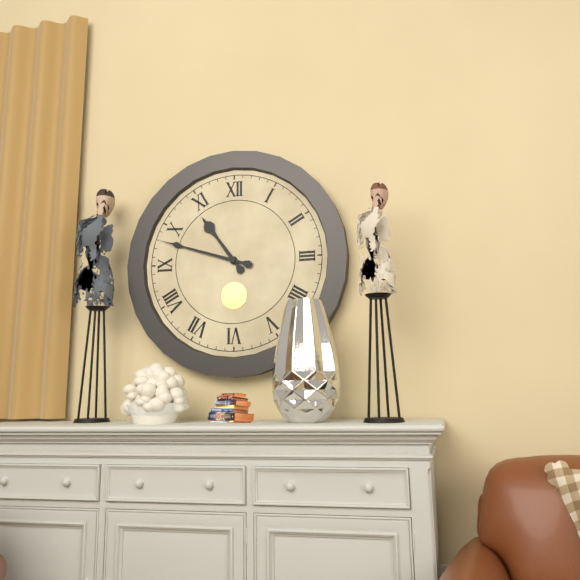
{"hour": 10, "minute": 48}
